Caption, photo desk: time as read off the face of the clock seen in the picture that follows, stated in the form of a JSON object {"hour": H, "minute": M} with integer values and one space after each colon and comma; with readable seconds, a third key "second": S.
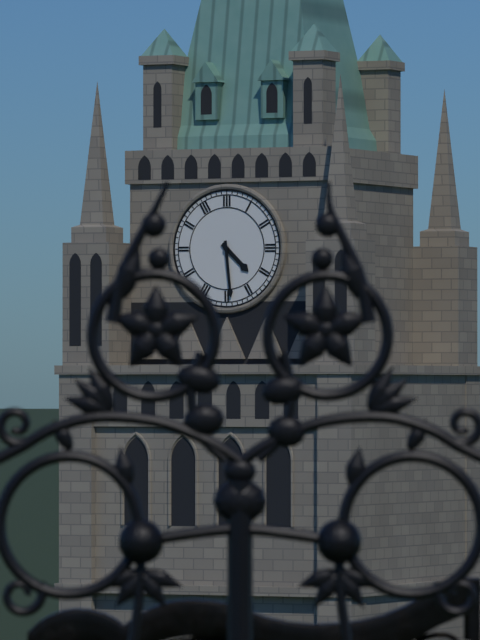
{"hour": 4, "minute": 29}
